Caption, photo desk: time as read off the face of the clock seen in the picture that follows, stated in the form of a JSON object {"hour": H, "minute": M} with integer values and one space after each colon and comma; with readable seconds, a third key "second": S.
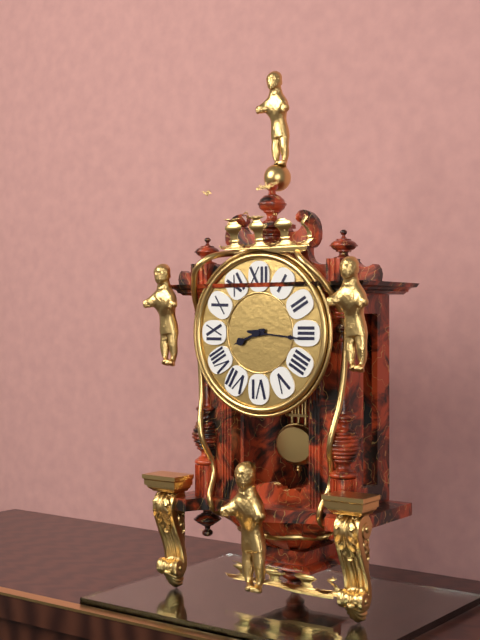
{"hour": 8, "minute": 16}
